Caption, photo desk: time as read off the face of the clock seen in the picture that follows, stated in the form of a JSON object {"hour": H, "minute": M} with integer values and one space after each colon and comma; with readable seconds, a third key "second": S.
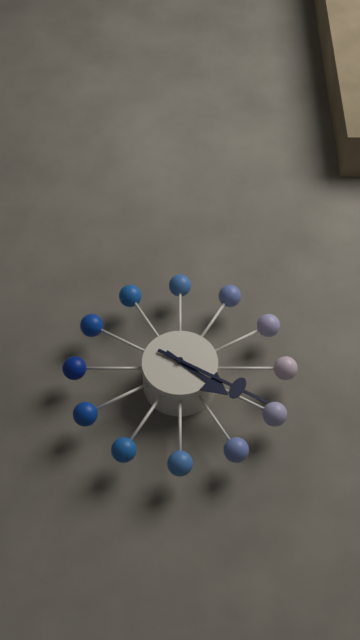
{"hour": 4, "minute": 20}
